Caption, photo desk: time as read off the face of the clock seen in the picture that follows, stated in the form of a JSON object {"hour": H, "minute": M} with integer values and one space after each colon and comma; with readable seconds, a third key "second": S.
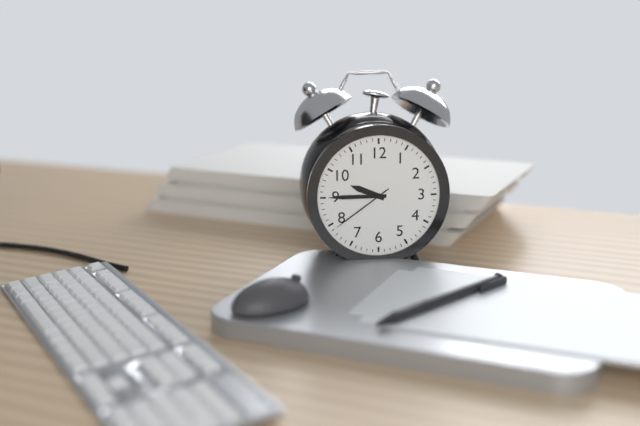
{"hour": 9, "minute": 45, "second": 39}
